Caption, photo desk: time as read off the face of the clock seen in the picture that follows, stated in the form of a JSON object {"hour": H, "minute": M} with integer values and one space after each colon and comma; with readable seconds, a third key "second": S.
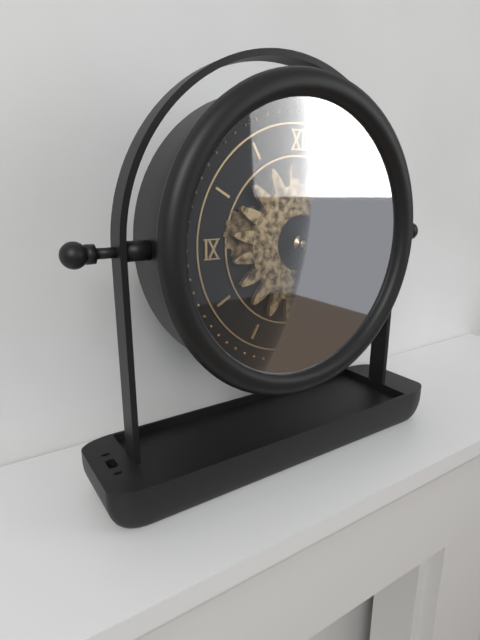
{"hour": 6, "minute": 8}
